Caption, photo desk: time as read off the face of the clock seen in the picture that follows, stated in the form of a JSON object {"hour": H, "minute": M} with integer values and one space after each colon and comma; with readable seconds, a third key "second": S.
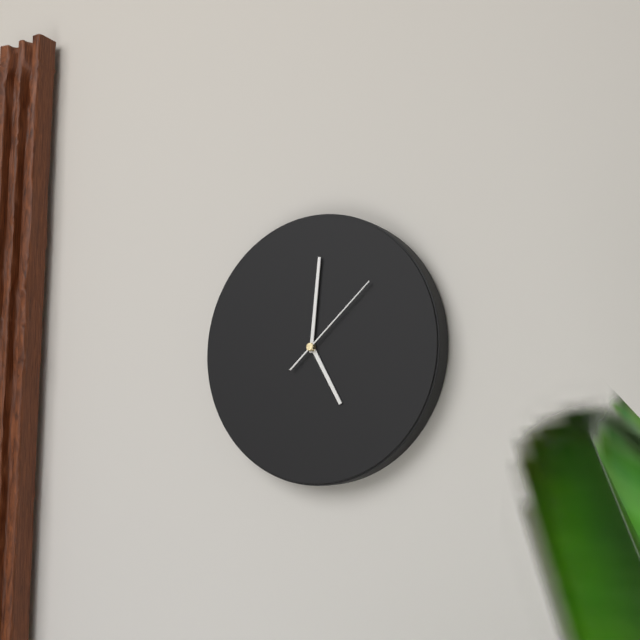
{"hour": 5, "minute": 1, "second": 8}
